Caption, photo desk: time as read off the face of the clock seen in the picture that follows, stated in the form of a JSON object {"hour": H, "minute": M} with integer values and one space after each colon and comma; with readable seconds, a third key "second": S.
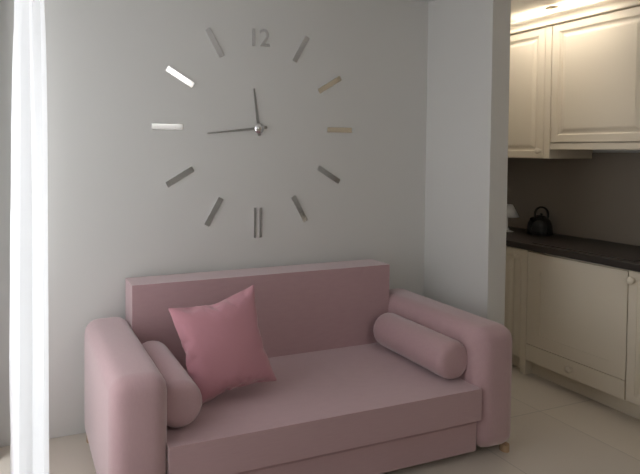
{"hour": 11, "minute": 44}
